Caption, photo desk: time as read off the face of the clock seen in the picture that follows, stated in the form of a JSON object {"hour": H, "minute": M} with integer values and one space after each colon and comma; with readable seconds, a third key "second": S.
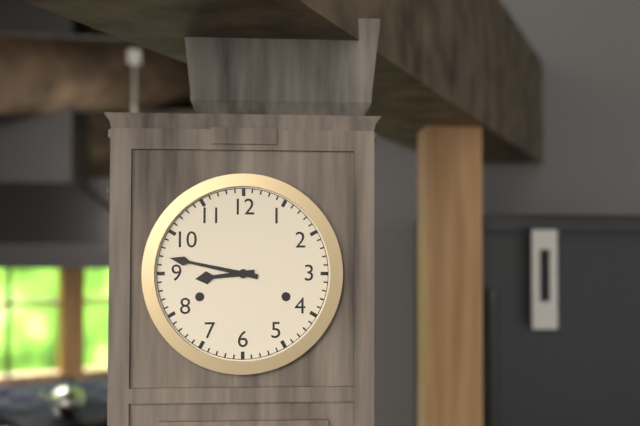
{"hour": 8, "minute": 47}
